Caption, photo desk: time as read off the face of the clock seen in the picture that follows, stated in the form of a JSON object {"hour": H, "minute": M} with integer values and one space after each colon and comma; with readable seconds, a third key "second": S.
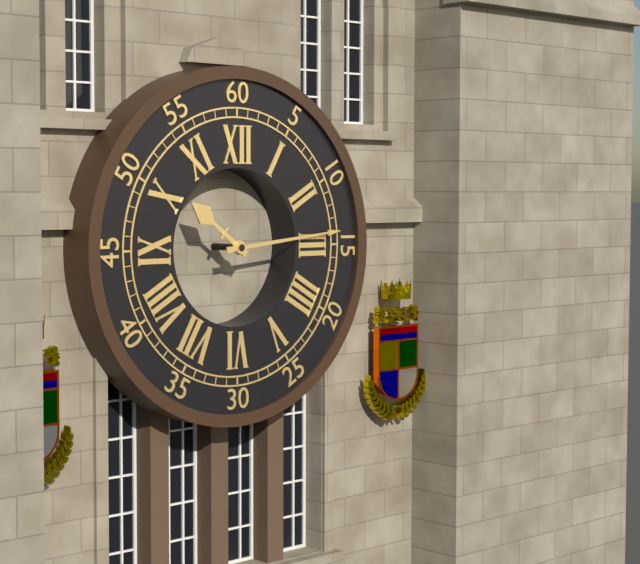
{"hour": 10, "minute": 14}
